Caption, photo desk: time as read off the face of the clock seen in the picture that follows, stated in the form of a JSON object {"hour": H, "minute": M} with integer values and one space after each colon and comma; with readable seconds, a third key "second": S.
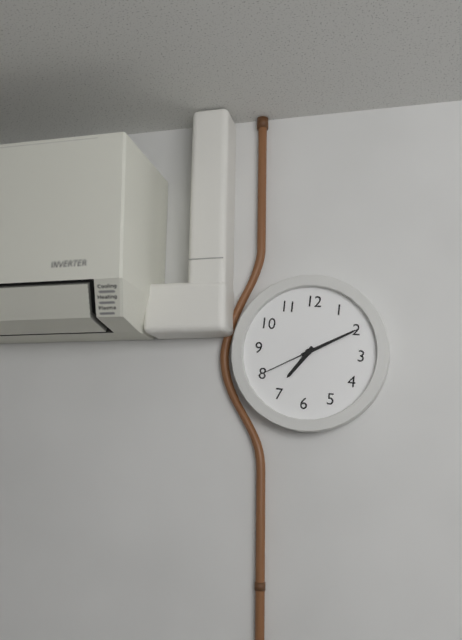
{"hour": 7, "minute": 10, "second": 40}
